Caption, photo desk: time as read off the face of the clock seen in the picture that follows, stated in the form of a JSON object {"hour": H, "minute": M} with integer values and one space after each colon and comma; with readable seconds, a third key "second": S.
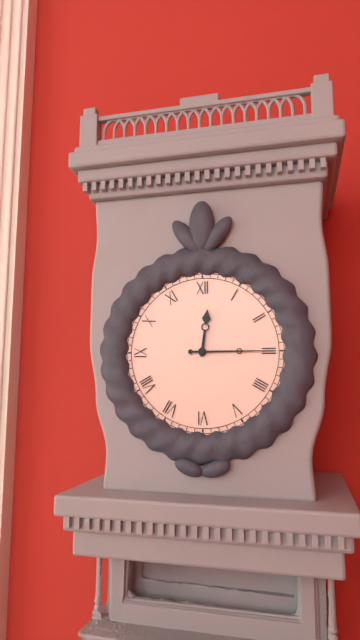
{"hour": 12, "minute": 15}
